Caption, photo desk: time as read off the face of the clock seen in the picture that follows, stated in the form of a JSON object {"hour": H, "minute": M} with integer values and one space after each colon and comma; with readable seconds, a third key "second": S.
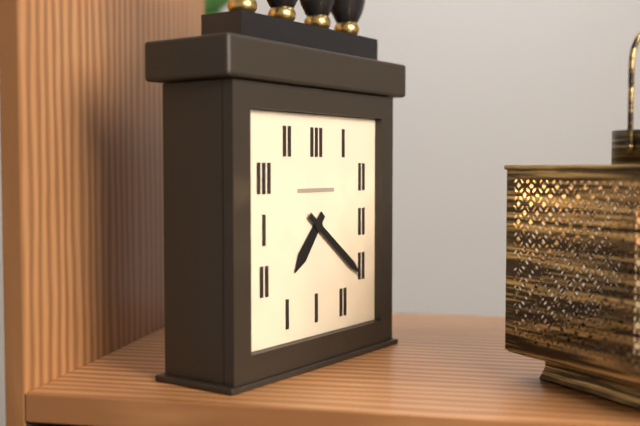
{"hour": 7, "minute": 21}
